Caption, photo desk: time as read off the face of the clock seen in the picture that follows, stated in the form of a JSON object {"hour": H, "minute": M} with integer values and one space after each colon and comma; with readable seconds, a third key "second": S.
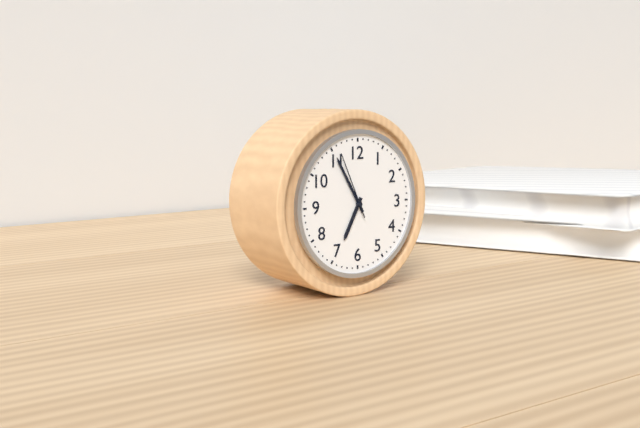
{"hour": 6, "minute": 55, "second": 56}
